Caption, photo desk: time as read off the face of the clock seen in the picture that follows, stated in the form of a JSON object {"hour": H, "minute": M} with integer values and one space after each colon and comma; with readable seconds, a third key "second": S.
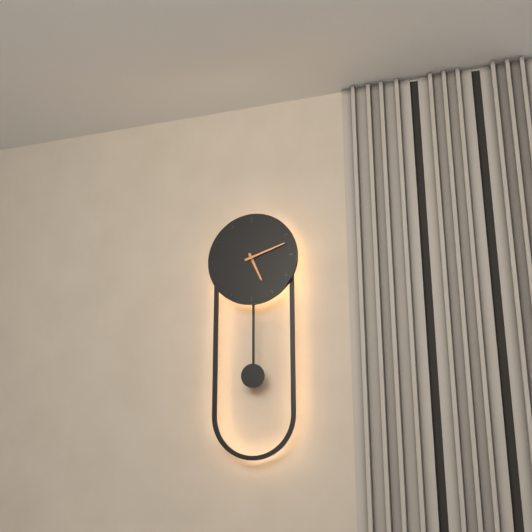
{"hour": 5, "minute": 12}
